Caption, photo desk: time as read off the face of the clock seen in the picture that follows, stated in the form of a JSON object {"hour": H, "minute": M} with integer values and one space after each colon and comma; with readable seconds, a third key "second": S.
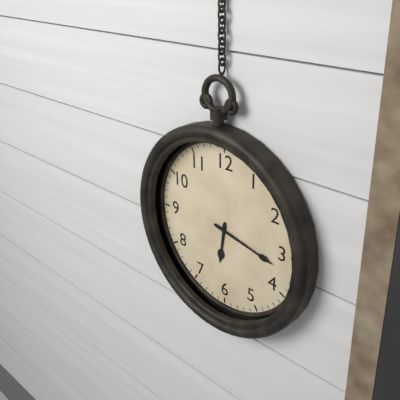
{"hour": 6, "minute": 17}
